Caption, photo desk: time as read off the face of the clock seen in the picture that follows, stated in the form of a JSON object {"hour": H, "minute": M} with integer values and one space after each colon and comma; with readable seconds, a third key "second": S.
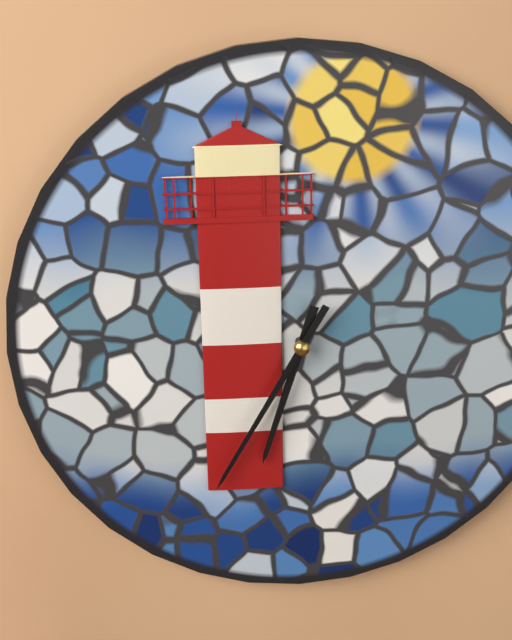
{"hour": 6, "minute": 35}
